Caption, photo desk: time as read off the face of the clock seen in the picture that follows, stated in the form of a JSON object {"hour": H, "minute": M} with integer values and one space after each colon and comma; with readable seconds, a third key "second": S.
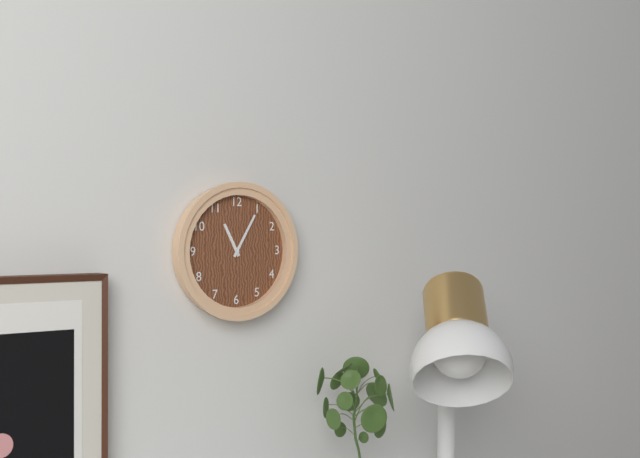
{"hour": 11, "minute": 5}
